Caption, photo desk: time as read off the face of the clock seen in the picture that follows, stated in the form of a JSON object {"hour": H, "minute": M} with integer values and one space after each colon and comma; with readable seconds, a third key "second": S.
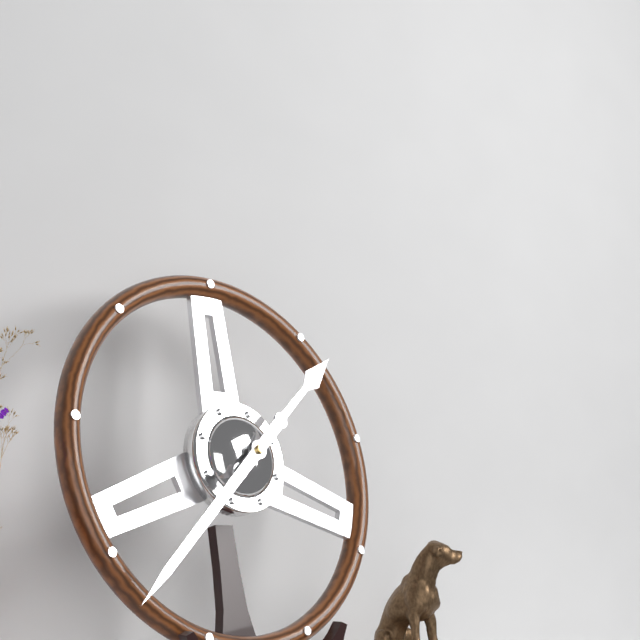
{"hour": 1, "minute": 38}
